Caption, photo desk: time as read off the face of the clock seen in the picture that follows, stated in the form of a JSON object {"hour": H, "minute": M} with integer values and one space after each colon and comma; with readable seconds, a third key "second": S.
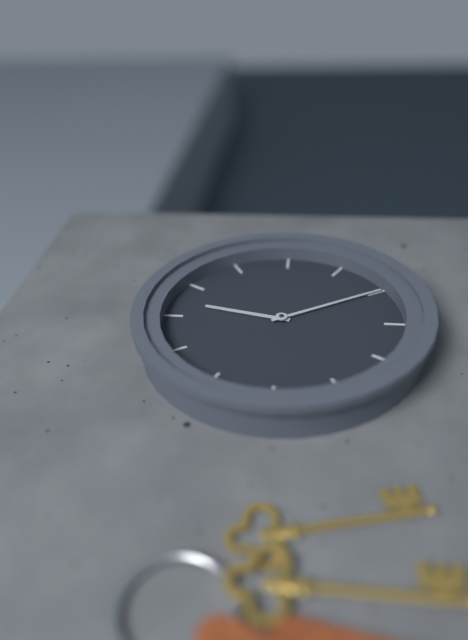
{"hour": 12, "minute": 25}
